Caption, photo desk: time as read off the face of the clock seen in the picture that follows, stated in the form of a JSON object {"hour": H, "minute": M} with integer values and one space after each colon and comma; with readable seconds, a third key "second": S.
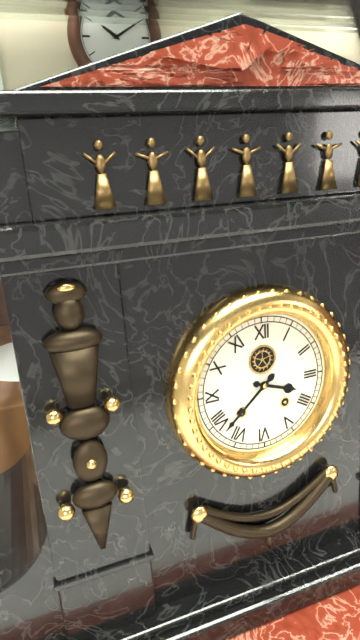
{"hour": 3, "minute": 38}
